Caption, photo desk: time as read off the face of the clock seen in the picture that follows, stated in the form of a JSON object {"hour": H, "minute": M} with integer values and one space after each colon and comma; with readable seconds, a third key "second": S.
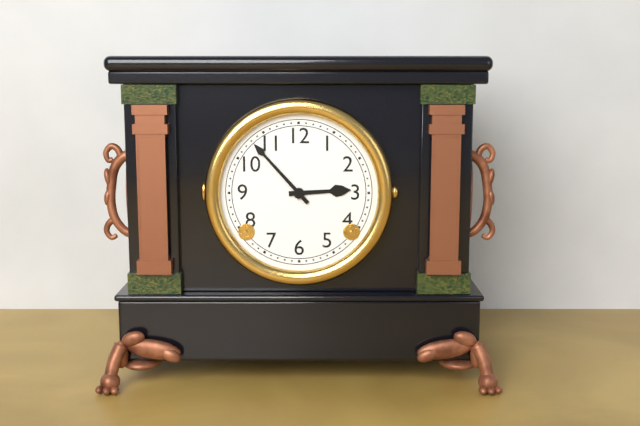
{"hour": 2, "minute": 53}
